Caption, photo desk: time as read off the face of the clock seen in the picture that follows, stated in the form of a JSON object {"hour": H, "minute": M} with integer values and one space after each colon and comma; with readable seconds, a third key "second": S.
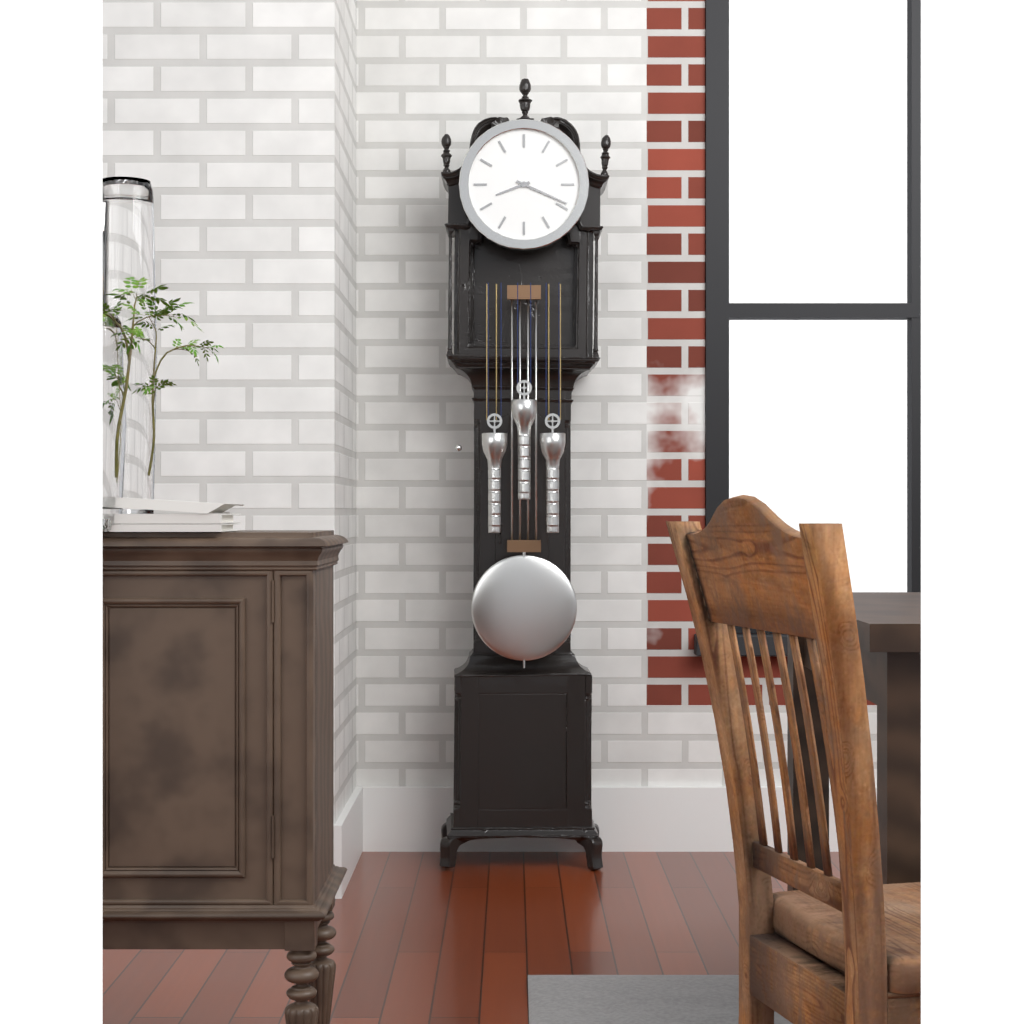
{"hour": 8, "minute": 19}
